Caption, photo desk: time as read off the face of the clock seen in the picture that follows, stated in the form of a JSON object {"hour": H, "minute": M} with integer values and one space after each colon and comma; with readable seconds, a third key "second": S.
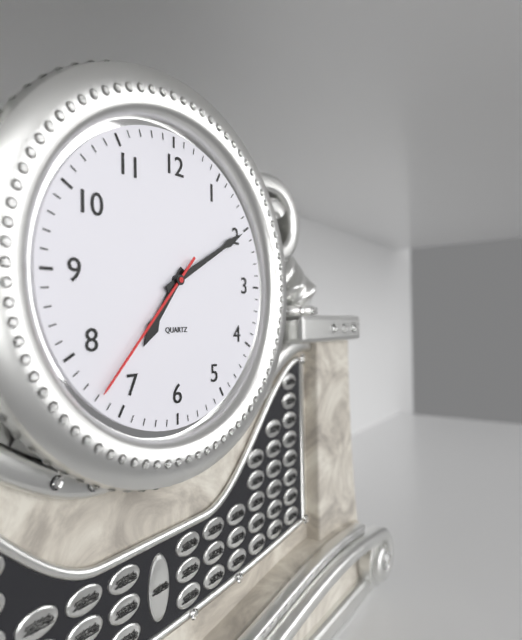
{"hour": 7, "minute": 10, "second": 37}
